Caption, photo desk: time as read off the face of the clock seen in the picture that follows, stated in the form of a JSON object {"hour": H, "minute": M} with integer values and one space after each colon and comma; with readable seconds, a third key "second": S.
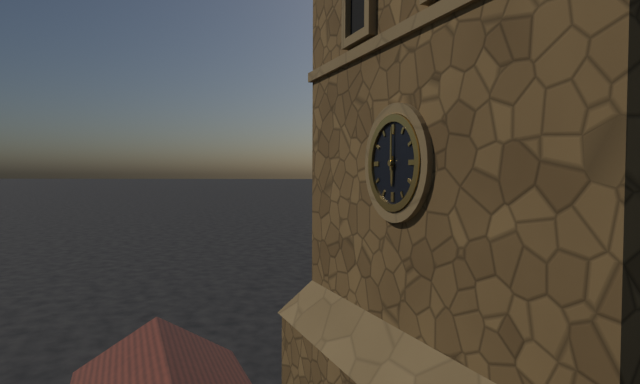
{"hour": 6, "minute": 0}
